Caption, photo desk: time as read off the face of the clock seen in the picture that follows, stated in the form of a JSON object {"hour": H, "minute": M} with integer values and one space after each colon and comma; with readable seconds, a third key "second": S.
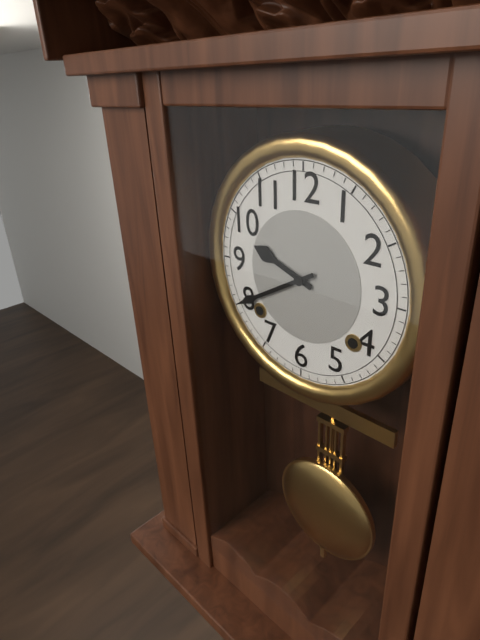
{"hour": 9, "minute": 40}
